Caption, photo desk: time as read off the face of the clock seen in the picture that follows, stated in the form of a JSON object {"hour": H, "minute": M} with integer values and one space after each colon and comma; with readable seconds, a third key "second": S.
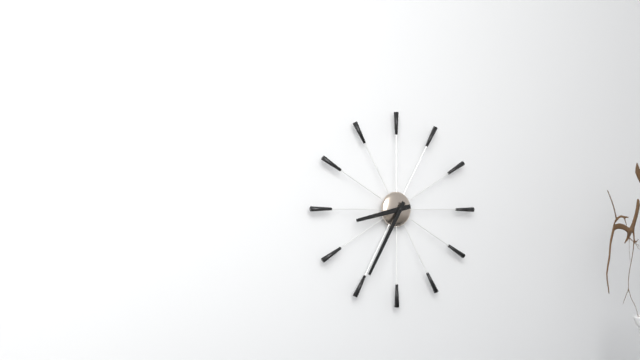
{"hour": 8, "minute": 35}
